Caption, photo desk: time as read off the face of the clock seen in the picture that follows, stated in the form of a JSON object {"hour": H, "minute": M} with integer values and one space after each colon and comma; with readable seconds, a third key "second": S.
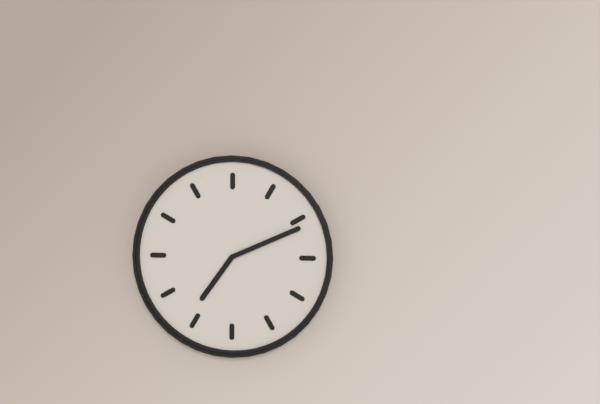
{"hour": 7, "minute": 11}
